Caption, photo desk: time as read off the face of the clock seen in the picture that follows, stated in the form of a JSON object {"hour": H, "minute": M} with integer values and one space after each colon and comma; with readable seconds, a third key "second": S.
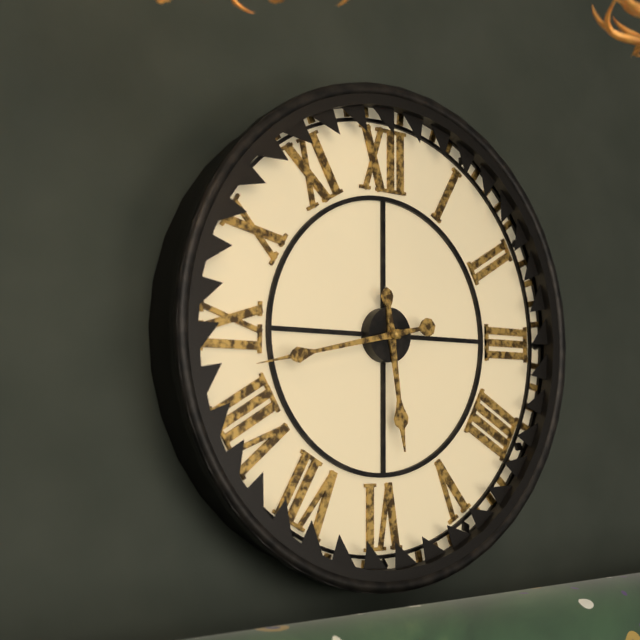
{"hour": 5, "minute": 43}
